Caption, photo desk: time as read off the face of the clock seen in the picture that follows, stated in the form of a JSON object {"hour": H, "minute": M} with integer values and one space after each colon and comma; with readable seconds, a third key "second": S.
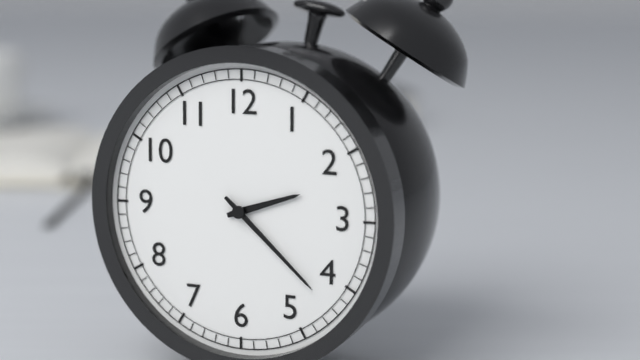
{"hour": 2, "minute": 22}
